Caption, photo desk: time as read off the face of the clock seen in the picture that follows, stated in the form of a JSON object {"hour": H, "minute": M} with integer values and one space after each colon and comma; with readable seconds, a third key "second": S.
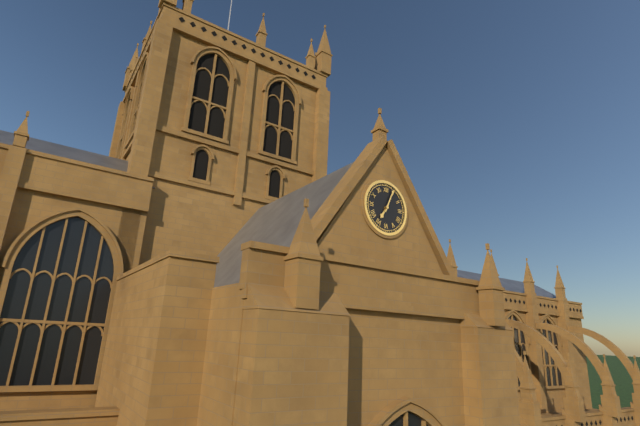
{"hour": 7, "minute": 4}
